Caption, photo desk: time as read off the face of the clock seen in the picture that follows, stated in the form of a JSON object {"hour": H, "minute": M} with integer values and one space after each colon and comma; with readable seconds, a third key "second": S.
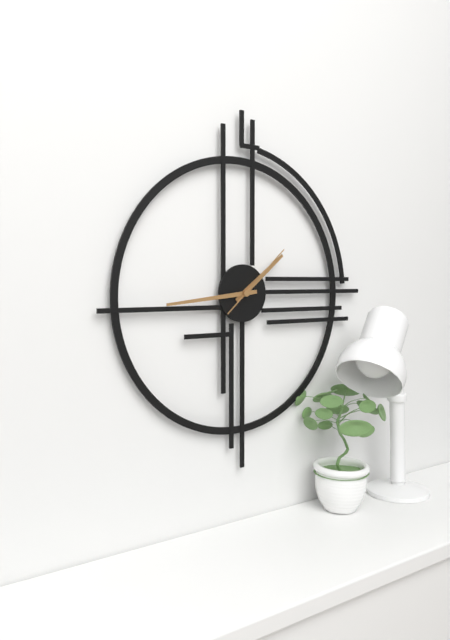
{"hour": 1, "minute": 44, "second": 8}
